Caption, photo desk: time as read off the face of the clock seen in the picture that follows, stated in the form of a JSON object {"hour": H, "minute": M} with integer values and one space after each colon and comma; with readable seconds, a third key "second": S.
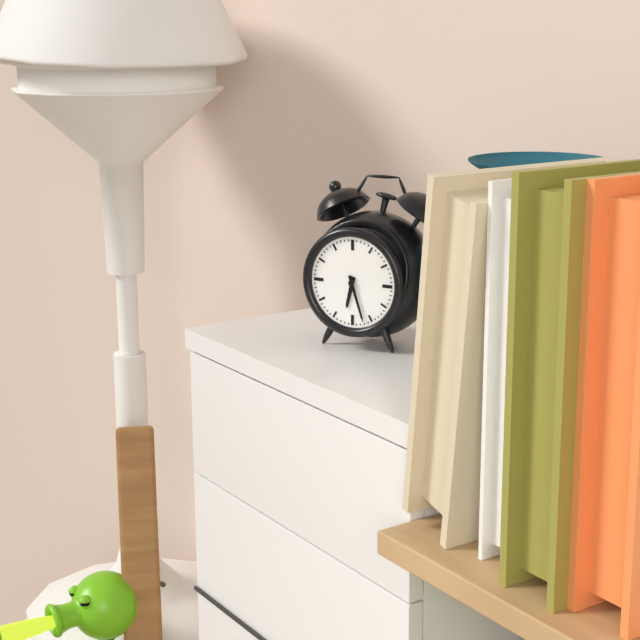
{"hour": 6, "minute": 27}
